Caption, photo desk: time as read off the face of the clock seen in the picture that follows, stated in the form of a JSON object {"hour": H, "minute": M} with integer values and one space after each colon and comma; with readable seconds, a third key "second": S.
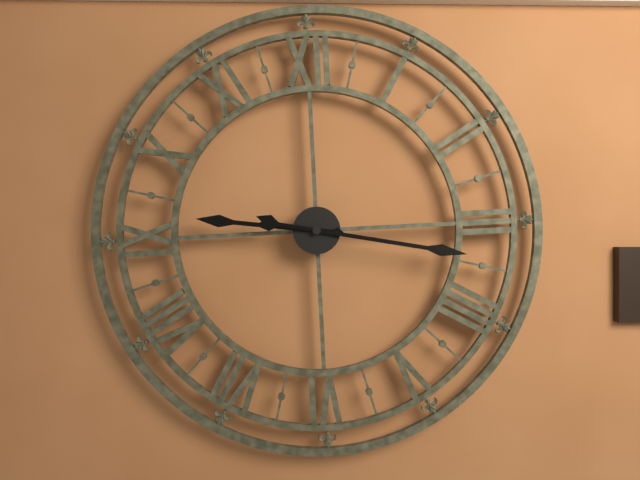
{"hour": 9, "minute": 17}
